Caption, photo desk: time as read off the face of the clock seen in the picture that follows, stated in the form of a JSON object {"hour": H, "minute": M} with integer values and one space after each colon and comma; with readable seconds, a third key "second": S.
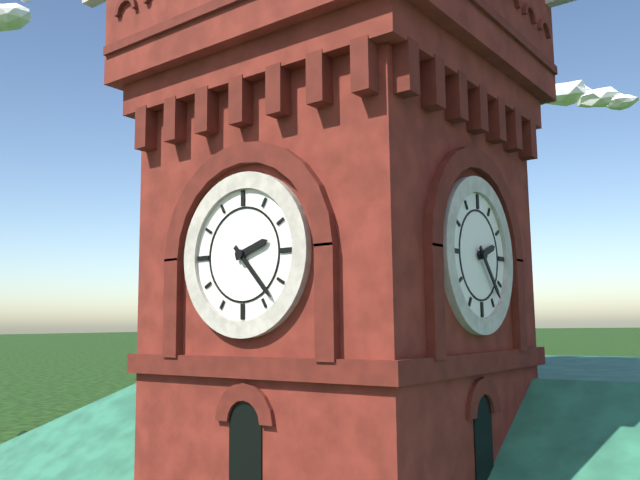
{"hour": 2, "minute": 23}
